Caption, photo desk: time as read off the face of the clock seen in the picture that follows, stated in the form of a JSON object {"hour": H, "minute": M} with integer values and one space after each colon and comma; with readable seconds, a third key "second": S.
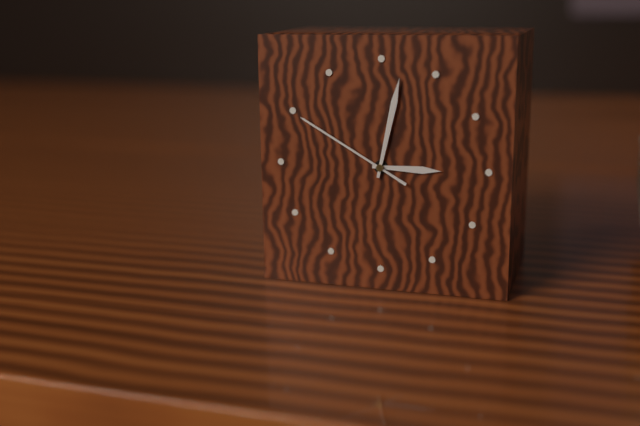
{"hour": 3, "minute": 2, "second": 50}
